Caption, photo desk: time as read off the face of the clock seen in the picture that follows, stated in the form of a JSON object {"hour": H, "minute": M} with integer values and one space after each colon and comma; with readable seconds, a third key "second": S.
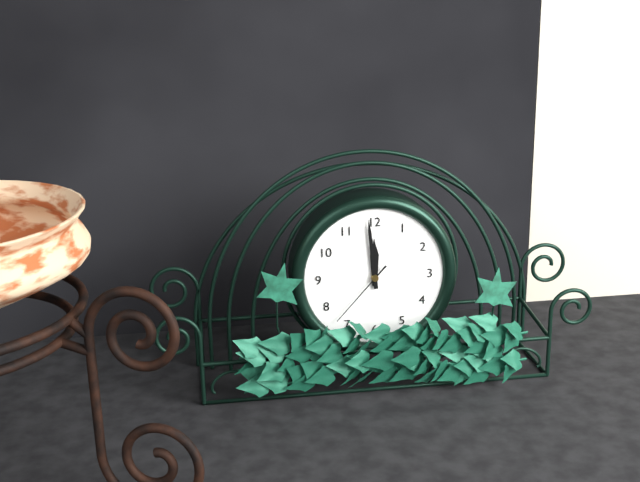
{"hour": 11, "minute": 59, "second": 37}
